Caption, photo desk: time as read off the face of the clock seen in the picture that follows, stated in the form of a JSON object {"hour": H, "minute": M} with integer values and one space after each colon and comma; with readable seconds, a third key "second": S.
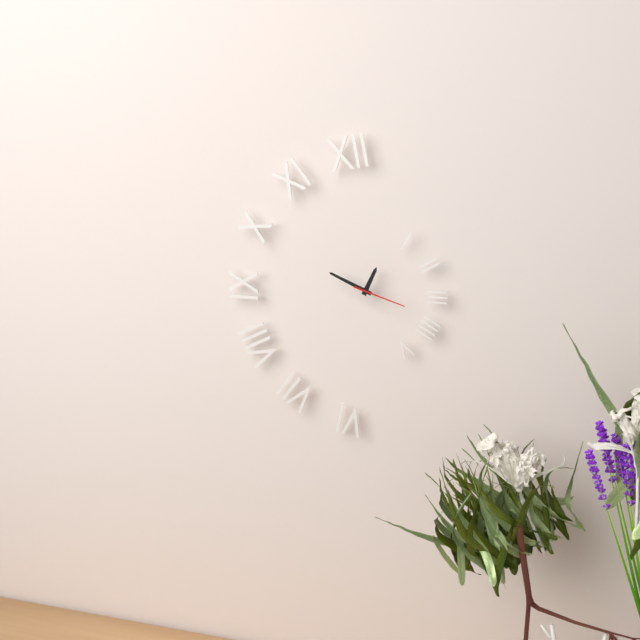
{"hour": 12, "minute": 49, "second": 18}
